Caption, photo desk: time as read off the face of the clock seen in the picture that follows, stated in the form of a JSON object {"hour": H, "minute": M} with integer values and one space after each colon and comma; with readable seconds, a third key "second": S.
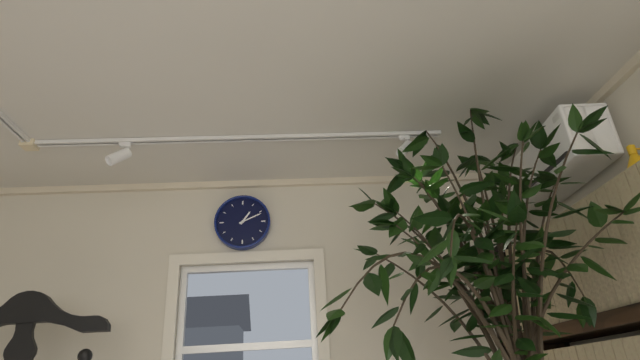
{"hour": 1, "minute": 11}
